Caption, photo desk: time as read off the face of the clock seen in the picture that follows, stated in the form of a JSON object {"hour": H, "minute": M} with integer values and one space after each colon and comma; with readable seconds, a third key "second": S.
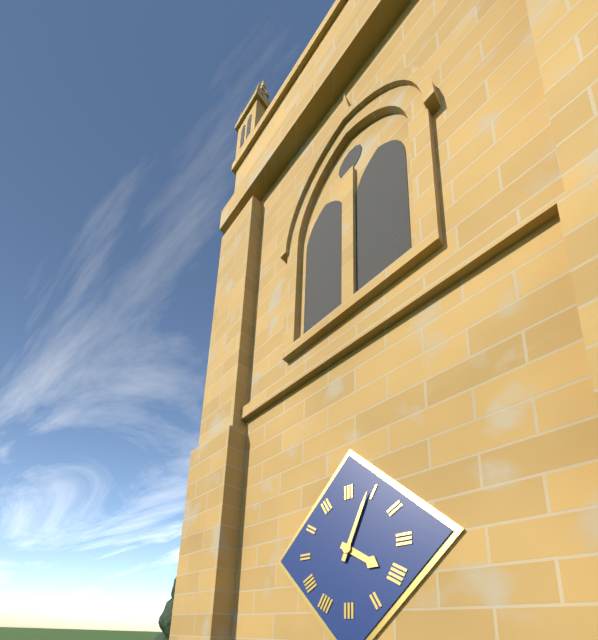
{"hour": 4, "minute": 4}
